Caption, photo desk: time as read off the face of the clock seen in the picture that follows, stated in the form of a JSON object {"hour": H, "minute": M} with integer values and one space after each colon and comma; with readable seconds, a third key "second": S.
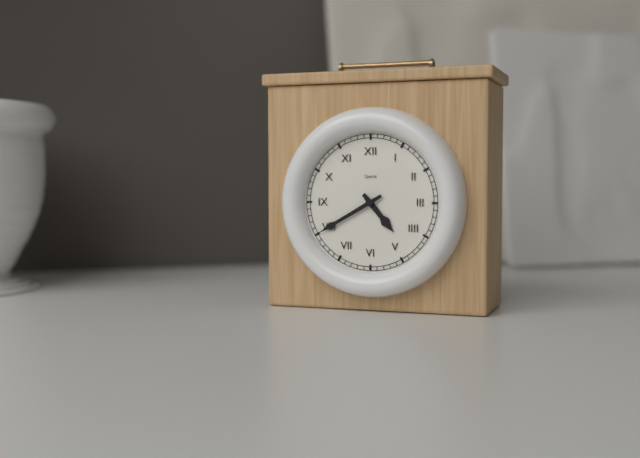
{"hour": 4, "minute": 40}
